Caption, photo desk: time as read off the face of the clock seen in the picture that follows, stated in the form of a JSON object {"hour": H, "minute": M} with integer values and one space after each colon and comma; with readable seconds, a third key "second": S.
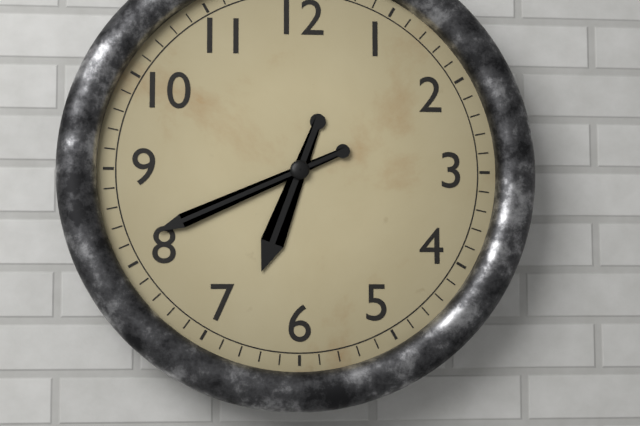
{"hour": 6, "minute": 41}
